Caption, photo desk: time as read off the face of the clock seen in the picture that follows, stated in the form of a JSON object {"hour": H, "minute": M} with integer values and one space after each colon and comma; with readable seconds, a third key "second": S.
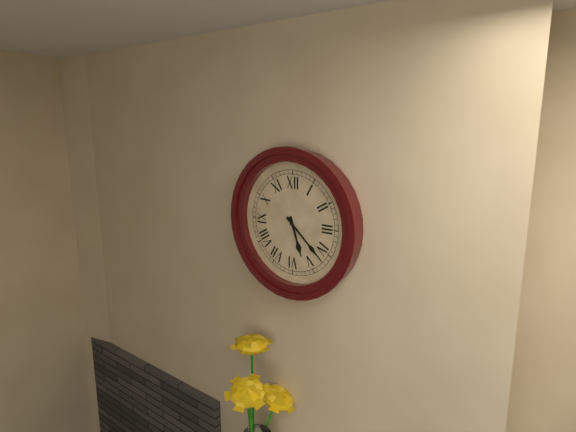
{"hour": 5, "minute": 22}
